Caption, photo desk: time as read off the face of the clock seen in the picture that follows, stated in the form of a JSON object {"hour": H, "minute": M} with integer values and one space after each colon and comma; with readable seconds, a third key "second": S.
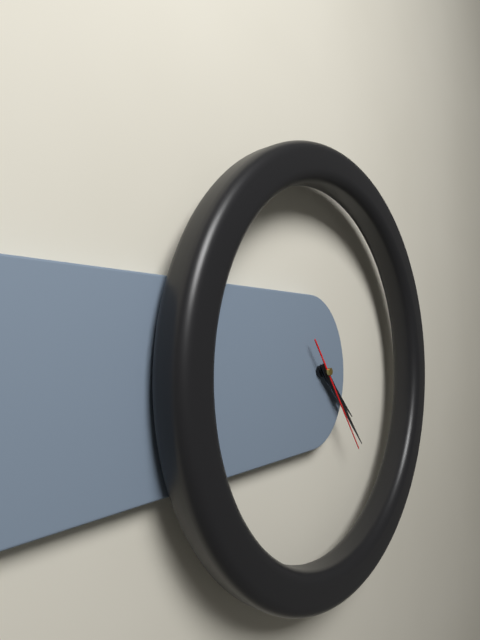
{"hour": 4, "minute": 23, "second": 24}
